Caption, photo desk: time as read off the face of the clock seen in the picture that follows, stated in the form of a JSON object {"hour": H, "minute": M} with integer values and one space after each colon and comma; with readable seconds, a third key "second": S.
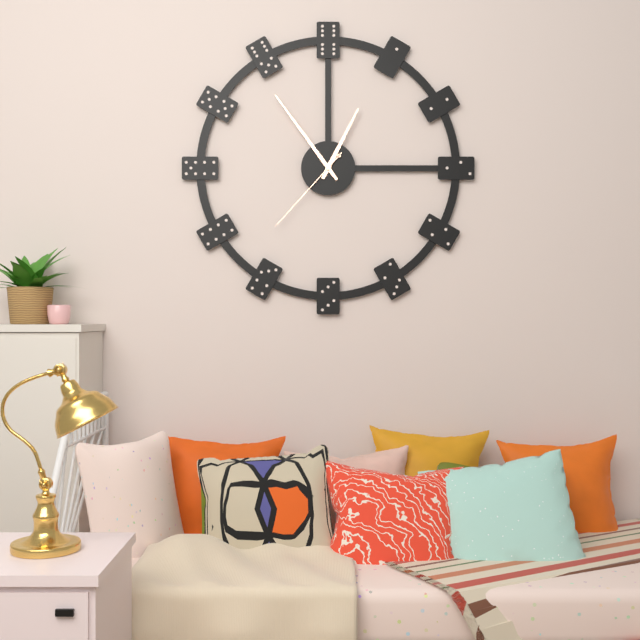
{"hour": 12, "minute": 54, "second": 37}
